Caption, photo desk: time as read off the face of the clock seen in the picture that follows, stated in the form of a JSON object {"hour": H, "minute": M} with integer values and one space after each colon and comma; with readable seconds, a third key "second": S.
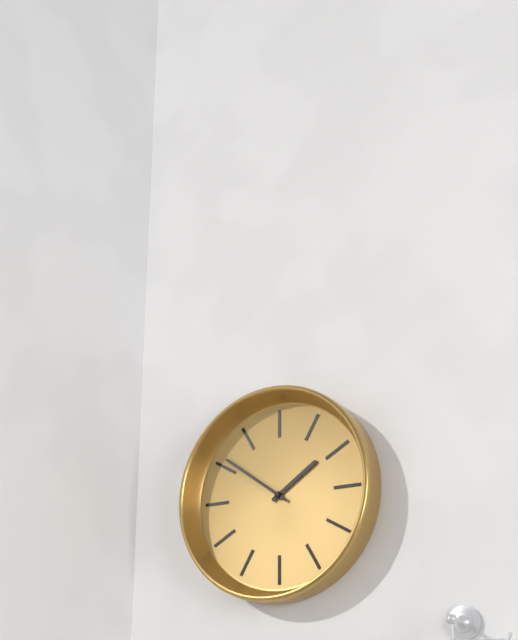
{"hour": 1, "minute": 51}
